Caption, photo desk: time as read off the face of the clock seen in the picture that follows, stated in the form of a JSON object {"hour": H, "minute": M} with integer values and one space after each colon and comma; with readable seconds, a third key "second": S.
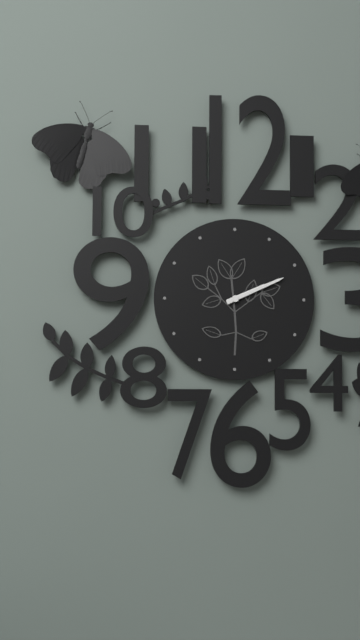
{"hour": 2, "minute": 11}
